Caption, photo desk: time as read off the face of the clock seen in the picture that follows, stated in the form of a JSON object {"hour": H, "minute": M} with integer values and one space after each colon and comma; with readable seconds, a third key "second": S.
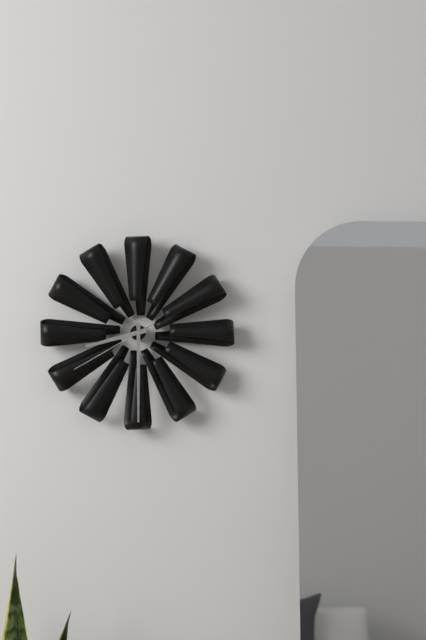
{"hour": 8, "minute": 30, "second": 40}
